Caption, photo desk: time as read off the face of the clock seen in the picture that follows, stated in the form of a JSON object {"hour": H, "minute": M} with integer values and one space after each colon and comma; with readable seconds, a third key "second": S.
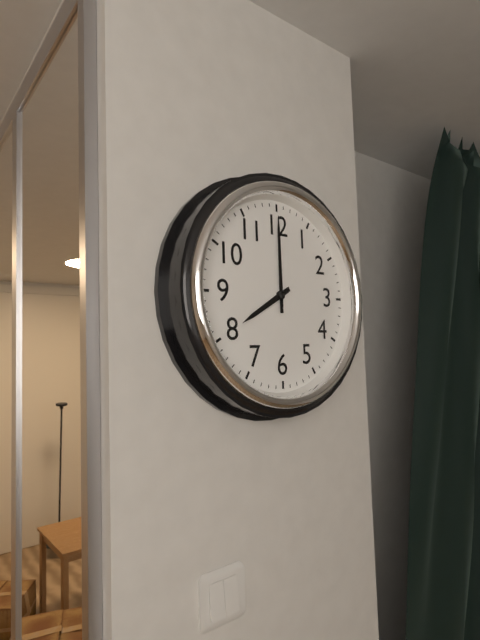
{"hour": 8, "minute": 0}
